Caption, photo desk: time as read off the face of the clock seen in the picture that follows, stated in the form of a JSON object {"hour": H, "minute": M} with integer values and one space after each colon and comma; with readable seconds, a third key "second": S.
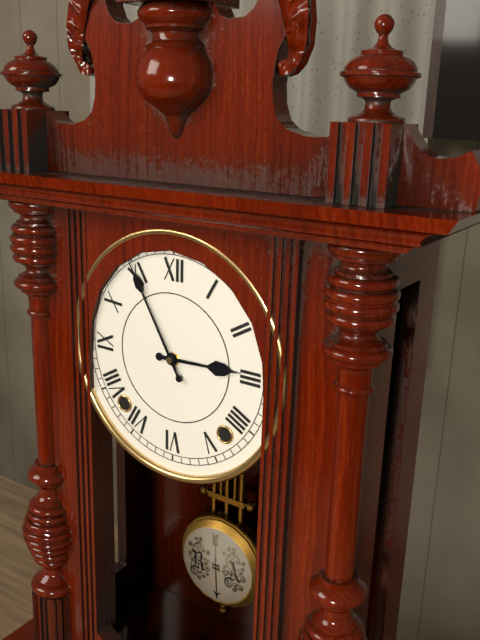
{"hour": 2, "minute": 55}
